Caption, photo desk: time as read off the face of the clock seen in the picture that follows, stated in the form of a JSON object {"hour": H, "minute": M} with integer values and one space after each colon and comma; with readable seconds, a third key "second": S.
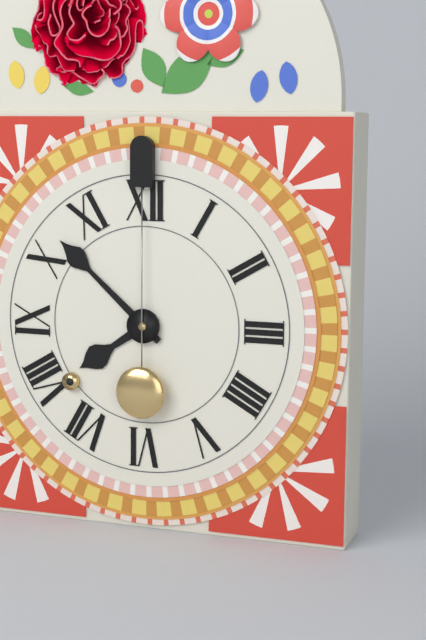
{"hour": 7, "minute": 52}
